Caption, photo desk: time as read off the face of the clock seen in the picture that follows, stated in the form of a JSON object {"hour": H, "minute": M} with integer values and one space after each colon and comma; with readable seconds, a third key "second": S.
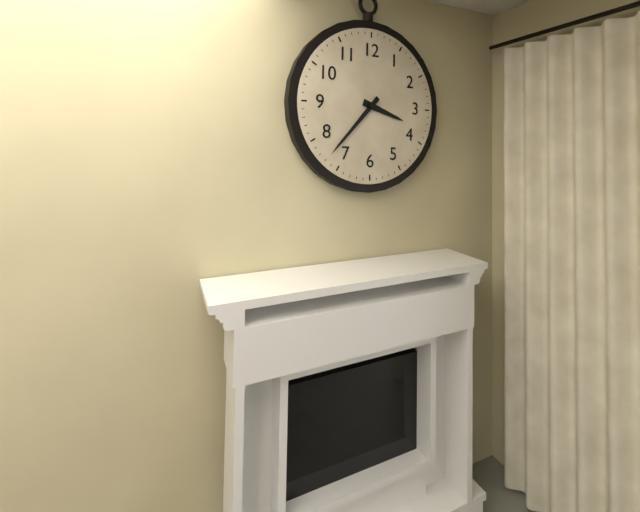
{"hour": 3, "minute": 37}
